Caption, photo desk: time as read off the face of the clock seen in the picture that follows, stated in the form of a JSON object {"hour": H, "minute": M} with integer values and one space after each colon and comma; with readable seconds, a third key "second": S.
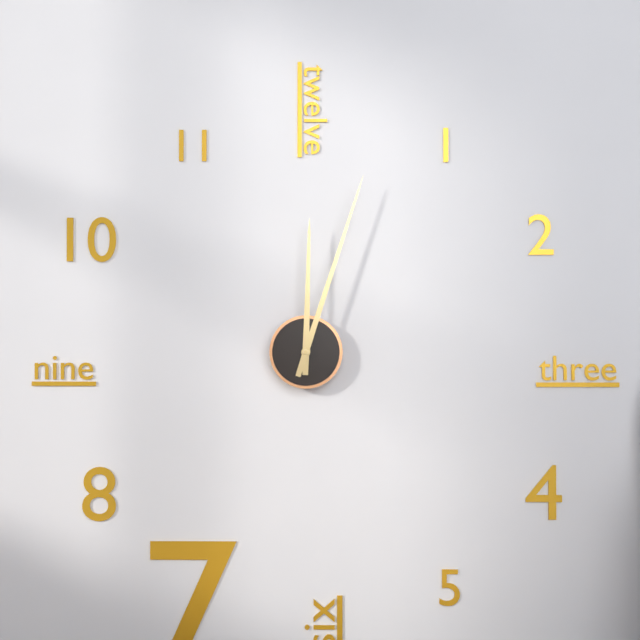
{"hour": 12, "minute": 3}
